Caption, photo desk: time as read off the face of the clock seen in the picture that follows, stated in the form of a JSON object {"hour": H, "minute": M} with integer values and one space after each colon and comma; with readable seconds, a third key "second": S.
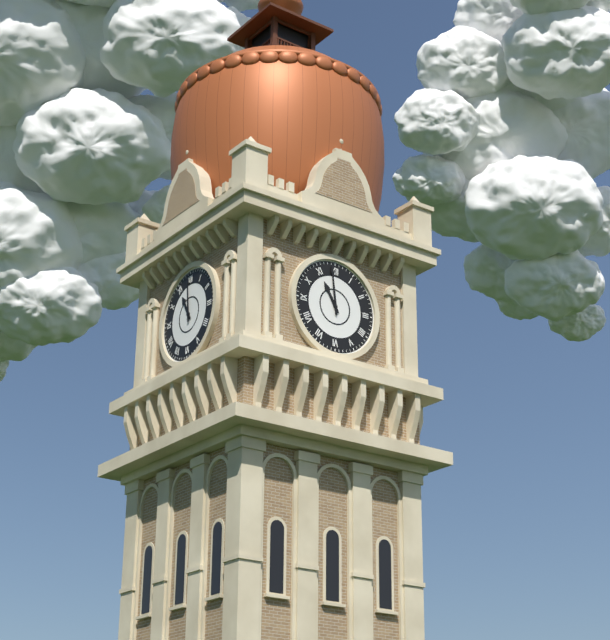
{"hour": 10, "minute": 59}
